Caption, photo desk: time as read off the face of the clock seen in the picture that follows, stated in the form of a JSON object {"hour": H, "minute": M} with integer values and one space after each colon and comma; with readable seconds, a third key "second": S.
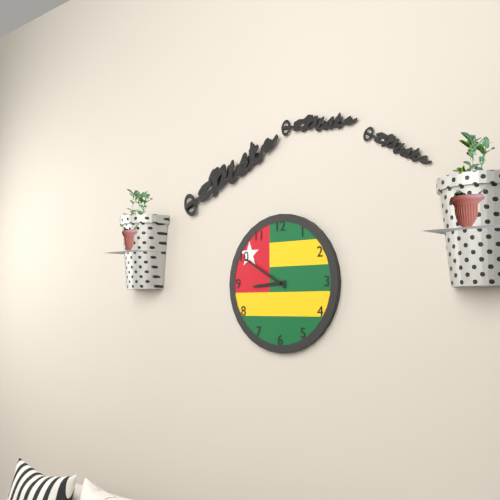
{"hour": 8, "minute": 50}
